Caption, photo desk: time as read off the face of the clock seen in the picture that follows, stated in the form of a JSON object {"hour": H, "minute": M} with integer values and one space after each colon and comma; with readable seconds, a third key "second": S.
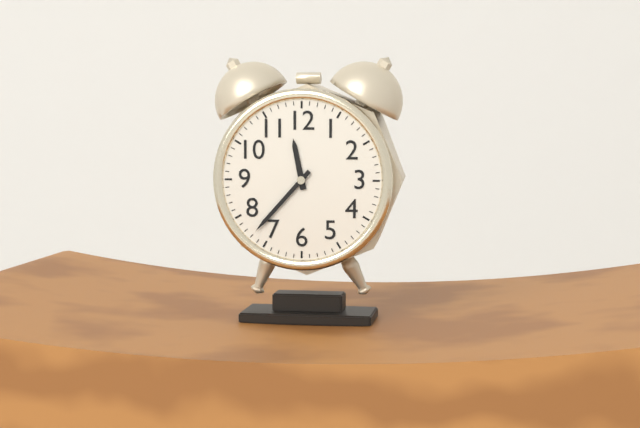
{"hour": 11, "minute": 37}
